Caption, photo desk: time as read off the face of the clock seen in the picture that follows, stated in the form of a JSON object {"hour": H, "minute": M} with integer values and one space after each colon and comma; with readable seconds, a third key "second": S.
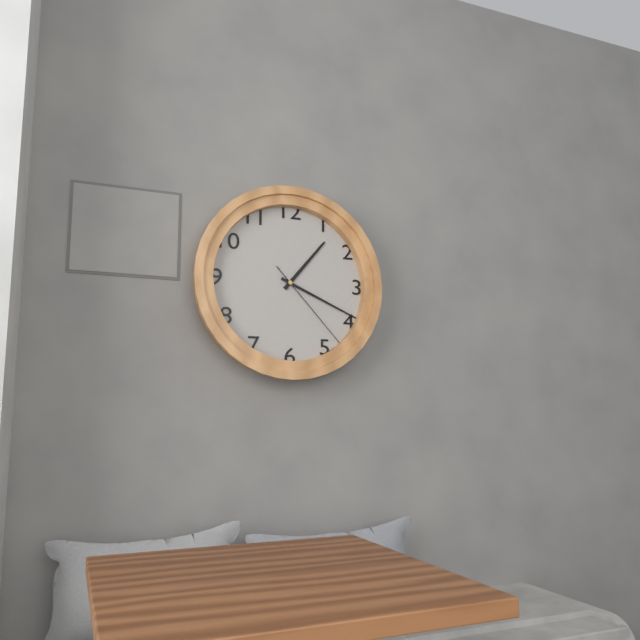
{"hour": 1, "minute": 19, "second": 23}
